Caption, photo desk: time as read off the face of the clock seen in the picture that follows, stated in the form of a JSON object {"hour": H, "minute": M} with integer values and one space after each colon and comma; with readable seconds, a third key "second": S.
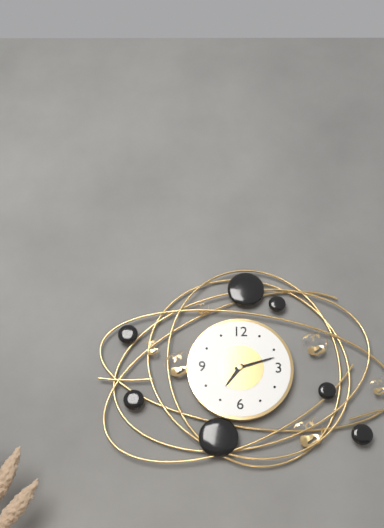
{"hour": 7, "minute": 12}
